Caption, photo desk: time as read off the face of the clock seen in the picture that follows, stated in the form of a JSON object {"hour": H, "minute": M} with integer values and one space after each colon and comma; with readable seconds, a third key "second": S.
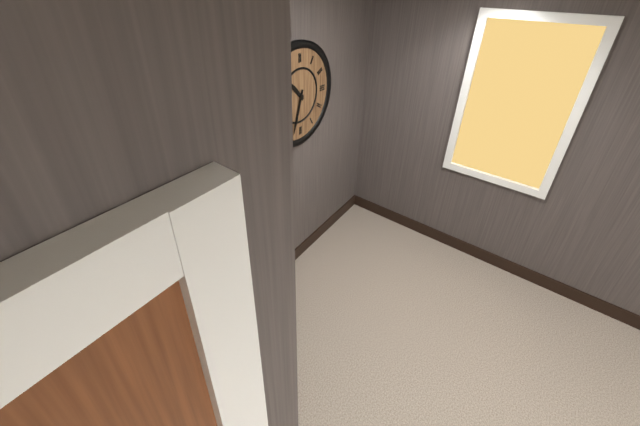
{"hour": 10, "minute": 33}
